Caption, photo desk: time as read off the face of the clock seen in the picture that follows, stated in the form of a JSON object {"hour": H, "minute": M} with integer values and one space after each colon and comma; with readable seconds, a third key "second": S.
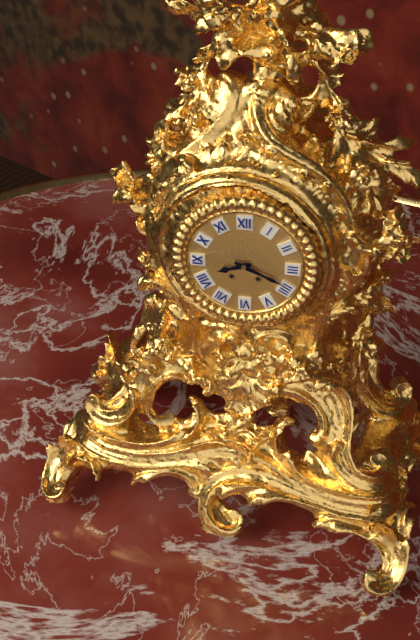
{"hour": 8, "minute": 19}
